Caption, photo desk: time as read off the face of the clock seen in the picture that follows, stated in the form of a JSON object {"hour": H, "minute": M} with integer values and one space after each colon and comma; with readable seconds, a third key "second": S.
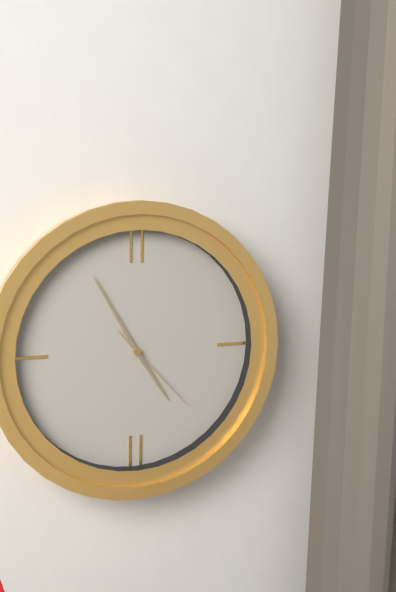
{"hour": 4, "minute": 55, "second": 23}
